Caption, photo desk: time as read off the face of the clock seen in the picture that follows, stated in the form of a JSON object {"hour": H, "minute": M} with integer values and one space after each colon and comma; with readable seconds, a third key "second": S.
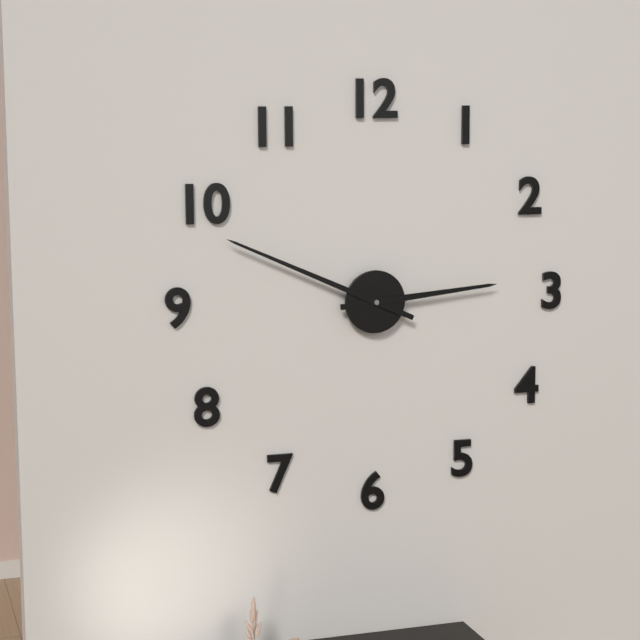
{"hour": 2, "minute": 49}
